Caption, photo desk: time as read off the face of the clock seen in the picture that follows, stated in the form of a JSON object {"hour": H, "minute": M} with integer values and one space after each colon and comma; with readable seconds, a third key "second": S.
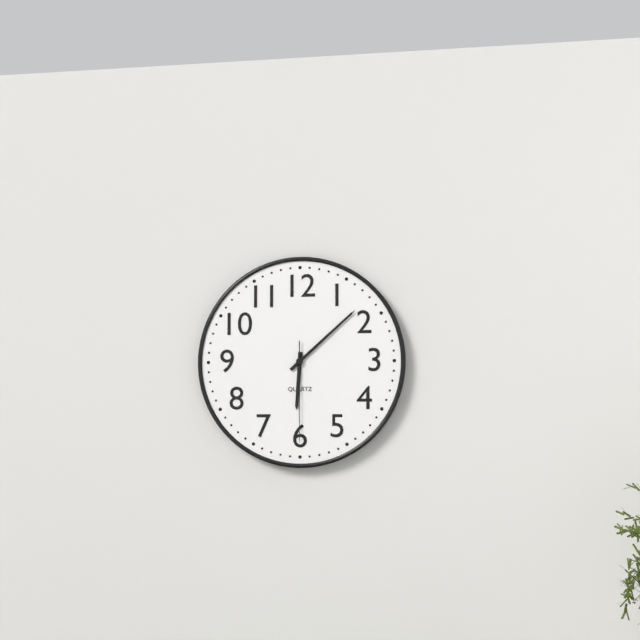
{"hour": 6, "minute": 8, "second": 30}
